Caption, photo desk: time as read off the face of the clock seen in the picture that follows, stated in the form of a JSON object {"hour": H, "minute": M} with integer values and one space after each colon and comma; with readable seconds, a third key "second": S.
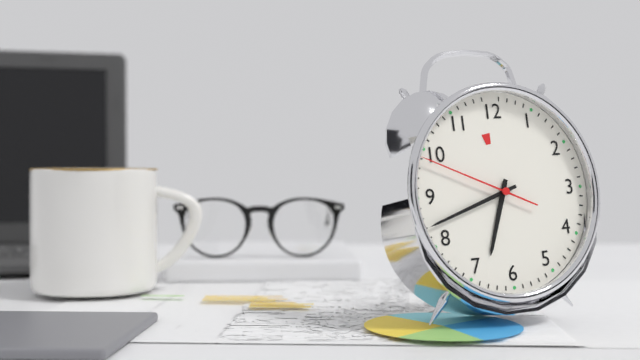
{"hour": 6, "minute": 42, "second": 49}
